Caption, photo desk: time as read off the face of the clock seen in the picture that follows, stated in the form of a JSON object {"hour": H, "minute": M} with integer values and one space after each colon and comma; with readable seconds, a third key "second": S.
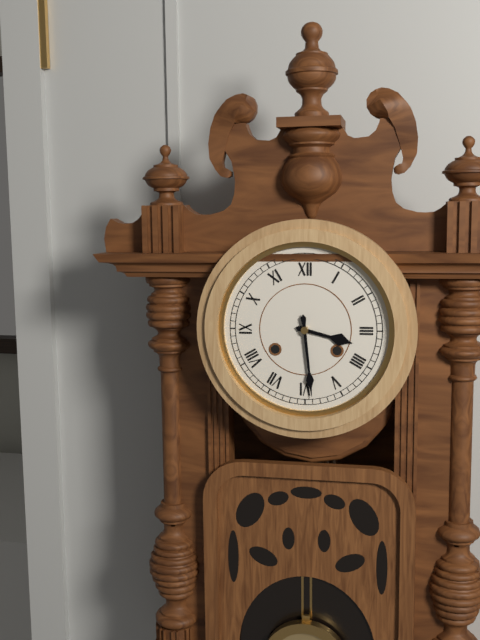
{"hour": 3, "minute": 29}
